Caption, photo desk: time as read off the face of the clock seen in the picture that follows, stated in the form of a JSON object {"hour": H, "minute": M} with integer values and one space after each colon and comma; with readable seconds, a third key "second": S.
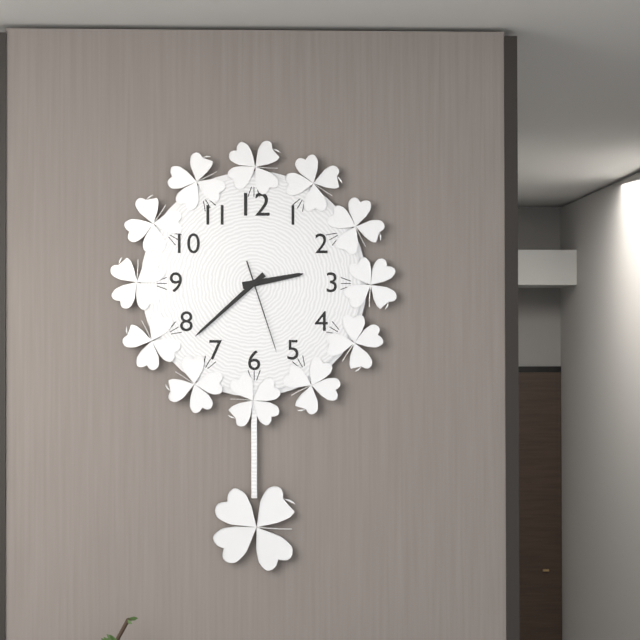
{"hour": 2, "minute": 38, "second": 27}
